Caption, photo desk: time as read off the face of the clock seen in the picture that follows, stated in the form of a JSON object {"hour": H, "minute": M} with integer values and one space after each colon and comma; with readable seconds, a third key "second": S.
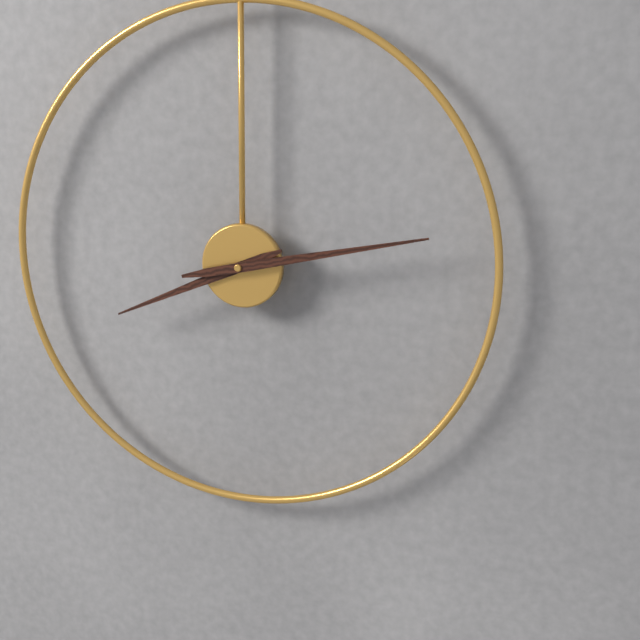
{"hour": 8, "minute": 13}
